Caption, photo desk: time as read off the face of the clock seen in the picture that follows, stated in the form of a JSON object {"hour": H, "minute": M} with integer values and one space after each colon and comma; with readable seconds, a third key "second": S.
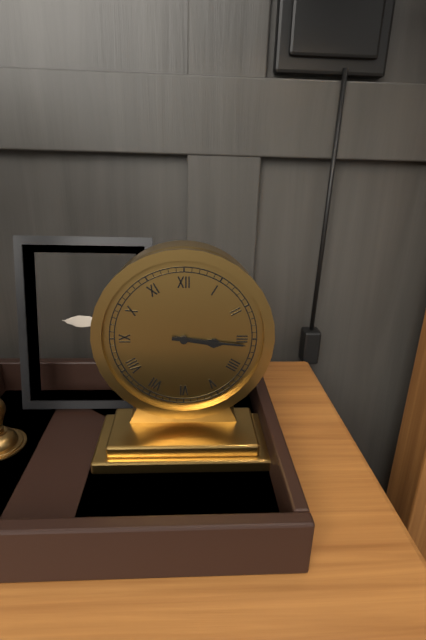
{"hour": 3, "minute": 16}
